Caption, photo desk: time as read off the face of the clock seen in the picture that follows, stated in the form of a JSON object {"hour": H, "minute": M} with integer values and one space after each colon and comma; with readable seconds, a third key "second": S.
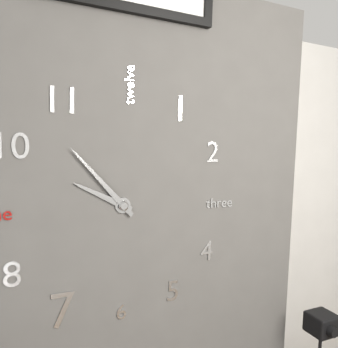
{"hour": 9, "minute": 53}
